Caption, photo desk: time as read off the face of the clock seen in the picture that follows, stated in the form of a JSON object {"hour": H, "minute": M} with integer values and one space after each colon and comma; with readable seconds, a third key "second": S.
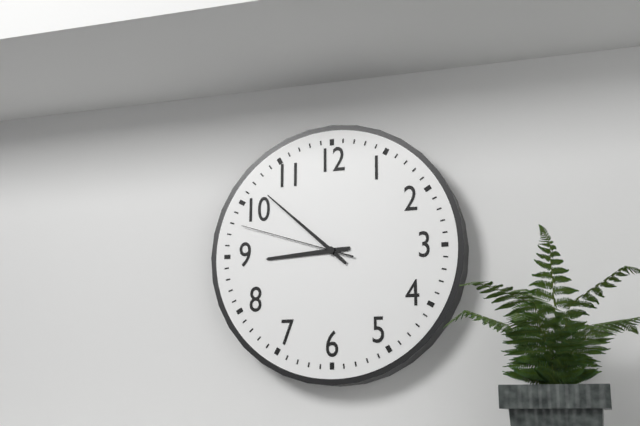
{"hour": 8, "minute": 52, "second": 48}
